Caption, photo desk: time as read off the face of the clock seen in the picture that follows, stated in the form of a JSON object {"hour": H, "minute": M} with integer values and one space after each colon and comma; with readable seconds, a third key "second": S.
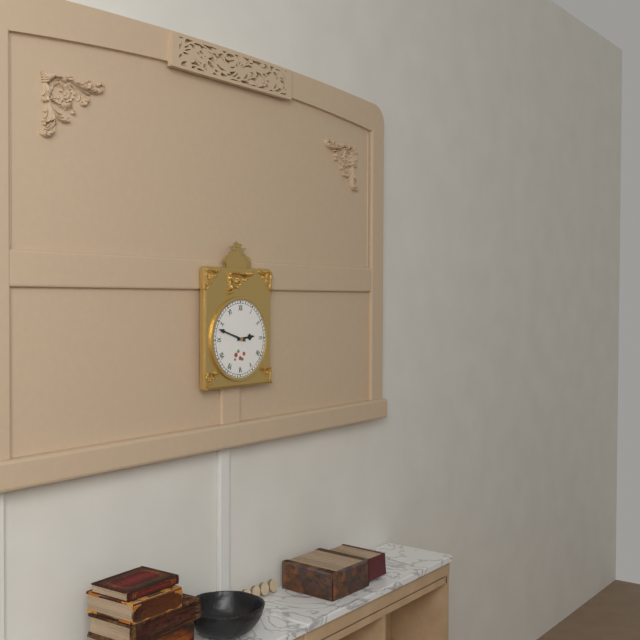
{"hour": 2, "minute": 48}
